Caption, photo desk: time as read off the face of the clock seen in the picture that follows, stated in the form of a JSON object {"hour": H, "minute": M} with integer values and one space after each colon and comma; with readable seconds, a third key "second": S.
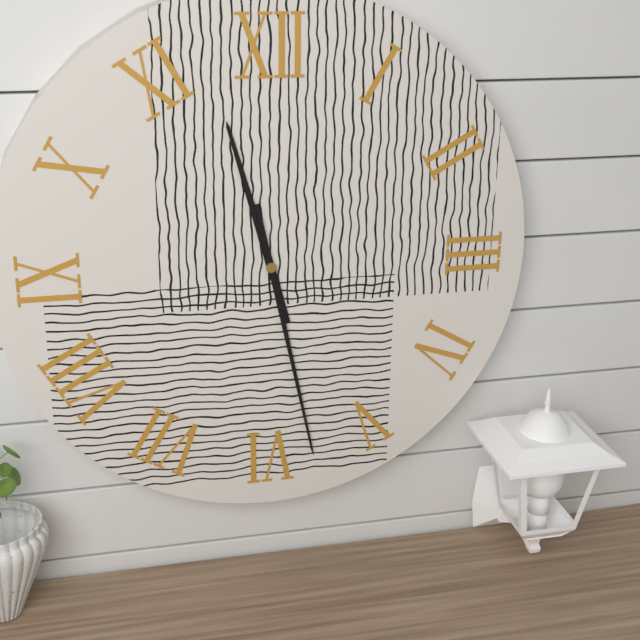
{"hour": 11, "minute": 28}
